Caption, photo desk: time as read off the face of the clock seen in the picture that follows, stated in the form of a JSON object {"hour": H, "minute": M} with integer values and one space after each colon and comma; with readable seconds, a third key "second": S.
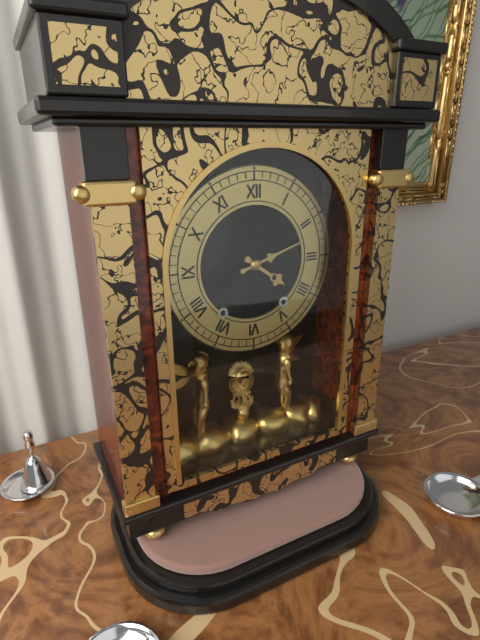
{"hour": 4, "minute": 12}
